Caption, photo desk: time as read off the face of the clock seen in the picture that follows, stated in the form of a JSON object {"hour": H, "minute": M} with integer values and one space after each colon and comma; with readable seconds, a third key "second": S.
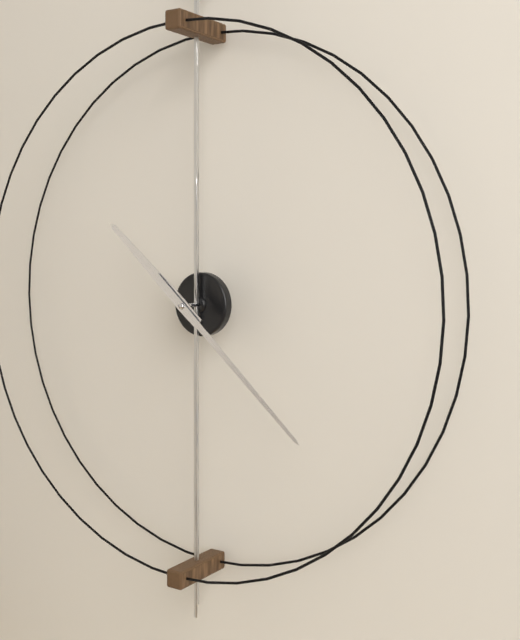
{"hour": 10, "minute": 22}
